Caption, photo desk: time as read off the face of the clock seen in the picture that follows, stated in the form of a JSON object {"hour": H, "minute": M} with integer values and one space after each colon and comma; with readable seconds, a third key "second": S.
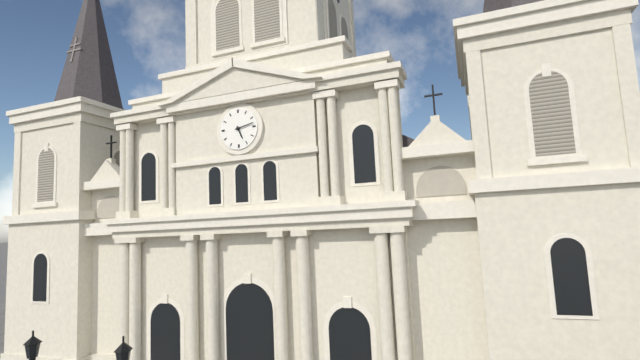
{"hour": 5, "minute": 13}
